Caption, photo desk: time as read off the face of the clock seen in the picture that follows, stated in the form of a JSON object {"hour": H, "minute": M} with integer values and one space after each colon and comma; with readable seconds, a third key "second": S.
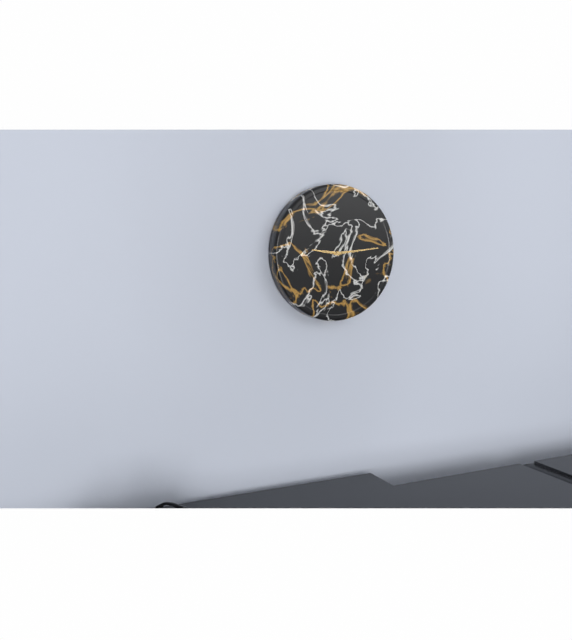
{"hour": 9, "minute": 14}
